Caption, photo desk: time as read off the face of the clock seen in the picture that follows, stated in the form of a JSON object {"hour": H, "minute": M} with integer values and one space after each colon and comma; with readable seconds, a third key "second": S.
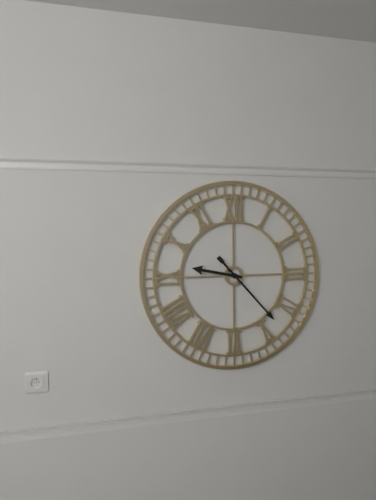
{"hour": 9, "minute": 23}
